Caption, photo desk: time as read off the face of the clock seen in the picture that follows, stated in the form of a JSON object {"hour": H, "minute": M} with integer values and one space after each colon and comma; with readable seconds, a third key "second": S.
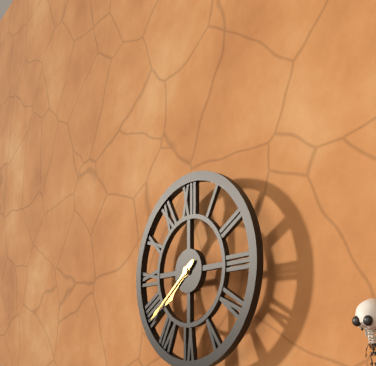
{"hour": 7, "minute": 39}
